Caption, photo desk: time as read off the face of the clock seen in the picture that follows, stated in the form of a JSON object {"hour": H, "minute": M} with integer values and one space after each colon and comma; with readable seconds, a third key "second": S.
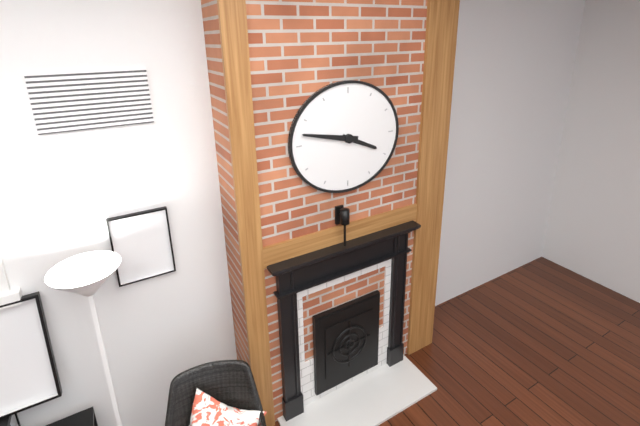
{"hour": 3, "minute": 47}
